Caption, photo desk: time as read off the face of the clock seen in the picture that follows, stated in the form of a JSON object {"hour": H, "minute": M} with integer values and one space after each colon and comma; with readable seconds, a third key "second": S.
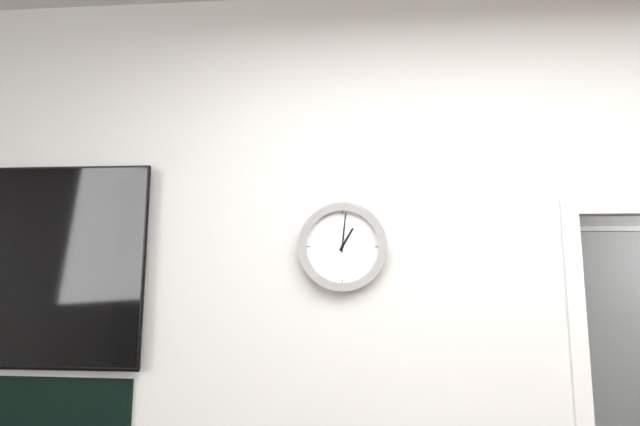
{"hour": 1, "minute": 1}
